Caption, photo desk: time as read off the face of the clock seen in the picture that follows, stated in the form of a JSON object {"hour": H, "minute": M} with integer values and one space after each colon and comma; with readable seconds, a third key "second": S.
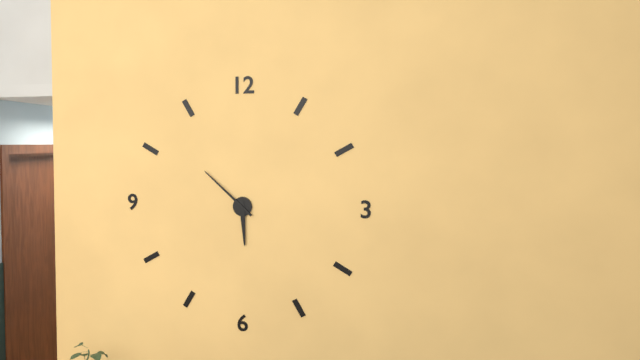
{"hour": 5, "minute": 52}
